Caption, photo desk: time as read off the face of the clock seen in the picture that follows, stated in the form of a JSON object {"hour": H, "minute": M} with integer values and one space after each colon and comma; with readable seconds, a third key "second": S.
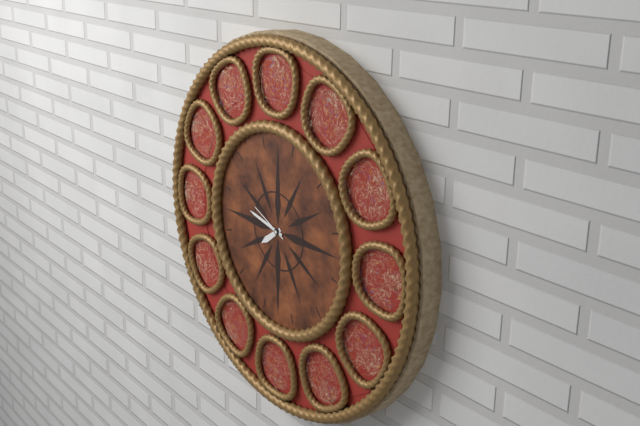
{"hour": 7, "minute": 47}
